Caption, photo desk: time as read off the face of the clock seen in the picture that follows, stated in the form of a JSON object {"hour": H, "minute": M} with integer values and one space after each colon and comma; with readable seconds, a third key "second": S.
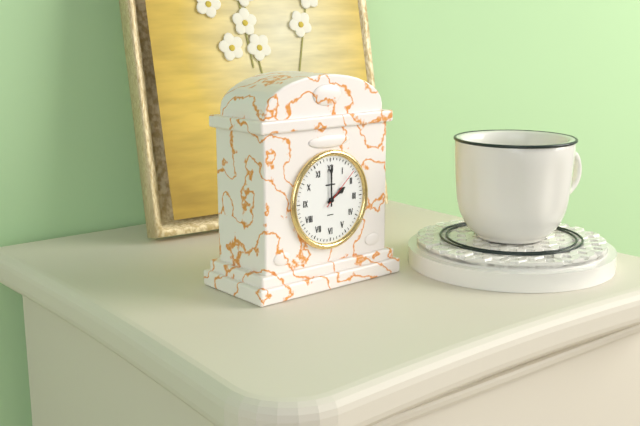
{"hour": 2, "minute": 0}
